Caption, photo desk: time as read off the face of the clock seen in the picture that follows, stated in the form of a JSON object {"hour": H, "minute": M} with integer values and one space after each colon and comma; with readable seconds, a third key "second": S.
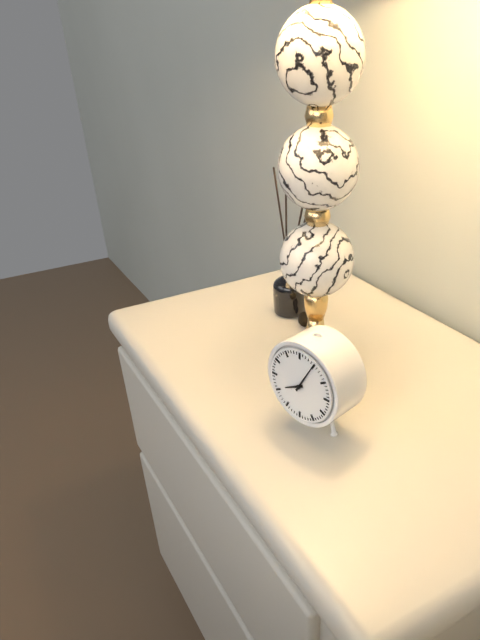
{"hour": 8, "minute": 5}
